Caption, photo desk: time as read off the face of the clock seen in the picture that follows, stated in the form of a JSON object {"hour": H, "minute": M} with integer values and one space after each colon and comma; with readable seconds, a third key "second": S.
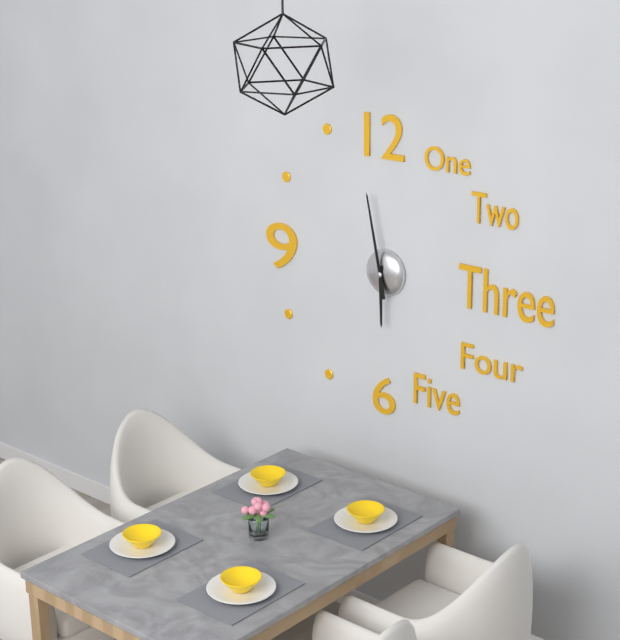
{"hour": 5, "minute": 58}
